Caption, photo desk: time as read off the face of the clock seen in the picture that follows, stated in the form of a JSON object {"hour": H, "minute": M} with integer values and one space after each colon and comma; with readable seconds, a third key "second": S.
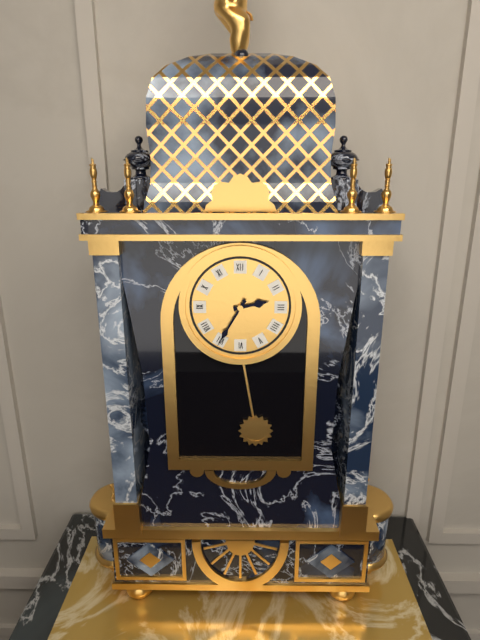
{"hour": 2, "minute": 35}
